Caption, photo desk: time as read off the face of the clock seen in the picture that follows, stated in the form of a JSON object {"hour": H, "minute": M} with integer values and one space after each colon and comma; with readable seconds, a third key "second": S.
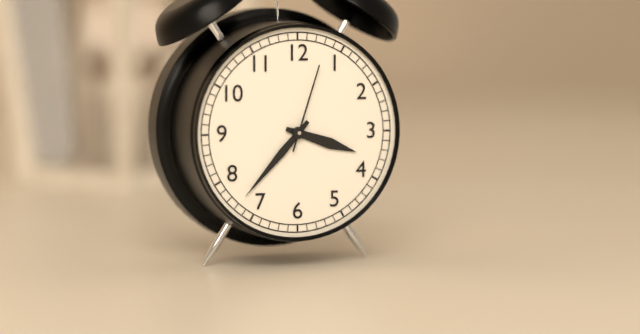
{"hour": 3, "minute": 37, "second": 3}
